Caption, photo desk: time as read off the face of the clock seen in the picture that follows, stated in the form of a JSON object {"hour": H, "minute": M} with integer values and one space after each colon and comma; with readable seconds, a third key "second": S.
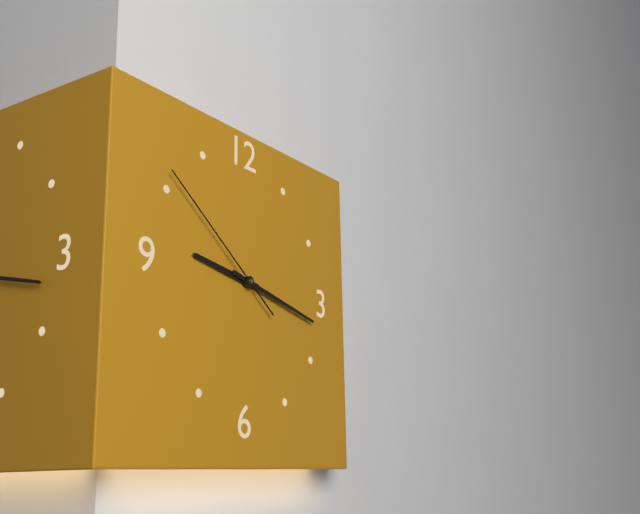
{"hour": 9, "minute": 17, "second": 51}
